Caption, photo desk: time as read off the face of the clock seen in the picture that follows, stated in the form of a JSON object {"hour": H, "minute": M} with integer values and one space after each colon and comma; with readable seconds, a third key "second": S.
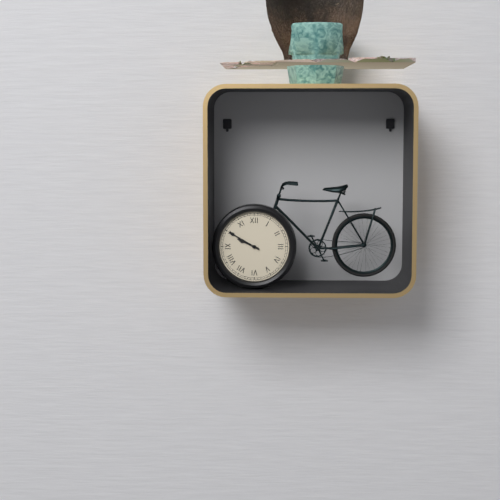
{"hour": 9, "minute": 50}
